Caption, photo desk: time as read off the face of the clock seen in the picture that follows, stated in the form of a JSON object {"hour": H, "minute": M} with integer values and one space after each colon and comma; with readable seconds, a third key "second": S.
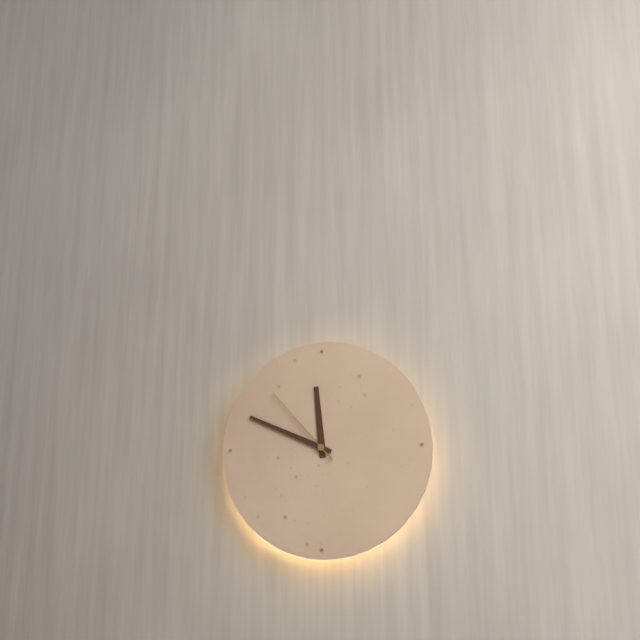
{"hour": 11, "minute": 49, "second": 53}
